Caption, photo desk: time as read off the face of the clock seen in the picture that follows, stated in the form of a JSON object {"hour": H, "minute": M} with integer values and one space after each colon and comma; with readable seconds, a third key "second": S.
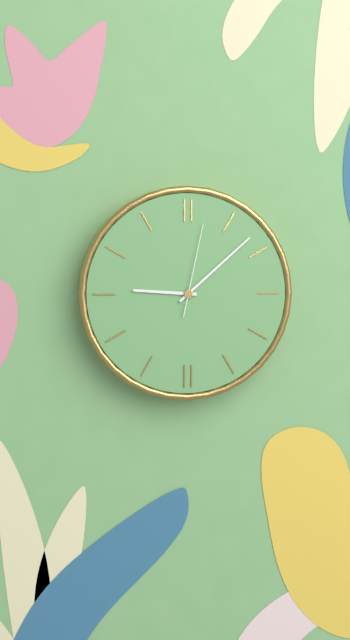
{"hour": 9, "minute": 8, "second": 2}
